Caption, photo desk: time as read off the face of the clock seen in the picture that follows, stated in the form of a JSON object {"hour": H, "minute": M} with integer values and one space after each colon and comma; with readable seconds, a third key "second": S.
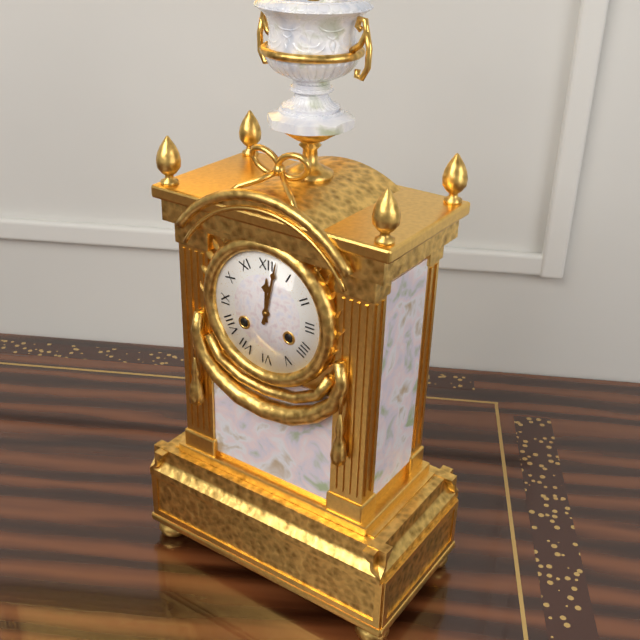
{"hour": 12, "minute": 2}
